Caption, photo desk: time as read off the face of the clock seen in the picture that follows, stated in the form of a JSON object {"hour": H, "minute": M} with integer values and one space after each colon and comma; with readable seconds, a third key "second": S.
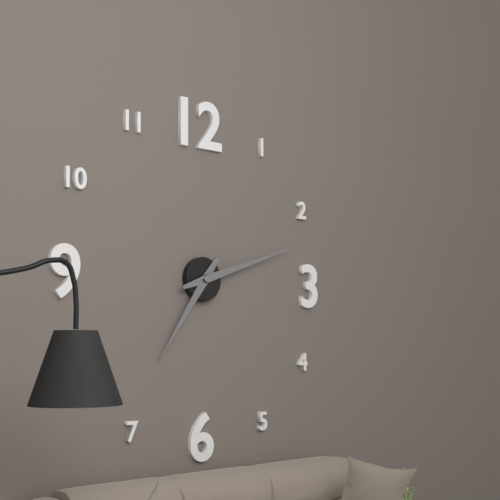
{"hour": 7, "minute": 12}
